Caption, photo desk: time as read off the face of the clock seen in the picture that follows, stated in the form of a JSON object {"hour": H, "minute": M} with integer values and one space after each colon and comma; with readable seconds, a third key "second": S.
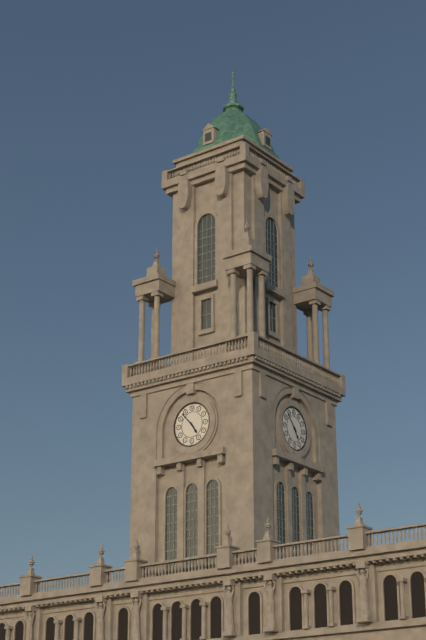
{"hour": 4, "minute": 53}
